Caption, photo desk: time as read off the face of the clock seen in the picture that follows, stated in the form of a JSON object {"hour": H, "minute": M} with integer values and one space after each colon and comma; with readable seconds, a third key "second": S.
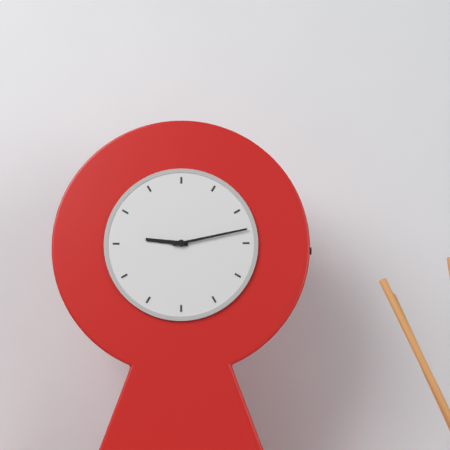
{"hour": 9, "minute": 13}
